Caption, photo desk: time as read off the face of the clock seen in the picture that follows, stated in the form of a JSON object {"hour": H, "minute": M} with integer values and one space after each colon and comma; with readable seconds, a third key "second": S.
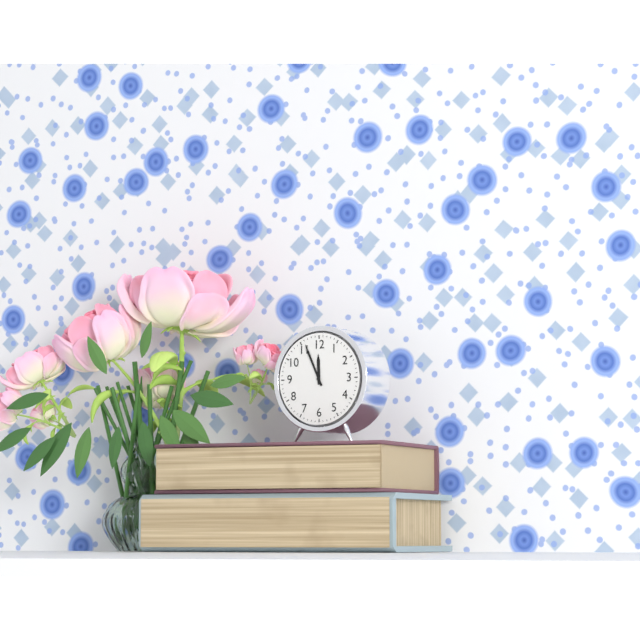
{"hour": 11, "minute": 56}
